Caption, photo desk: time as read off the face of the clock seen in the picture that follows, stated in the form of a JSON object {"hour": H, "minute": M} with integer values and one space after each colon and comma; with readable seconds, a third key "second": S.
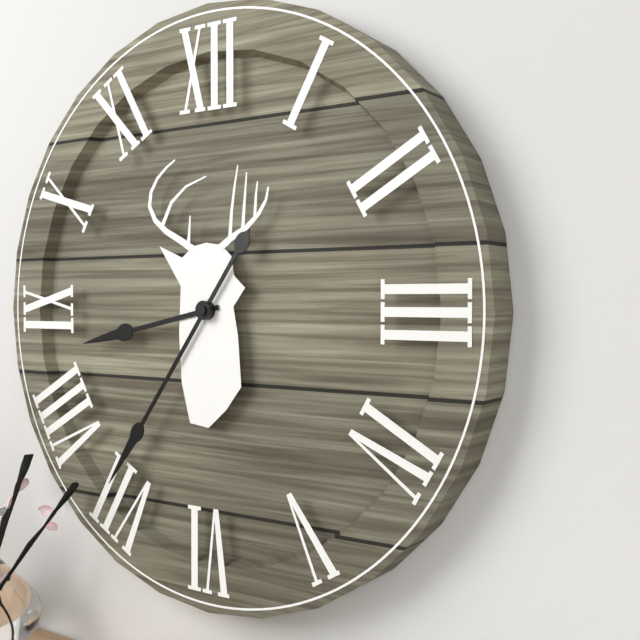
{"hour": 8, "minute": 36}
